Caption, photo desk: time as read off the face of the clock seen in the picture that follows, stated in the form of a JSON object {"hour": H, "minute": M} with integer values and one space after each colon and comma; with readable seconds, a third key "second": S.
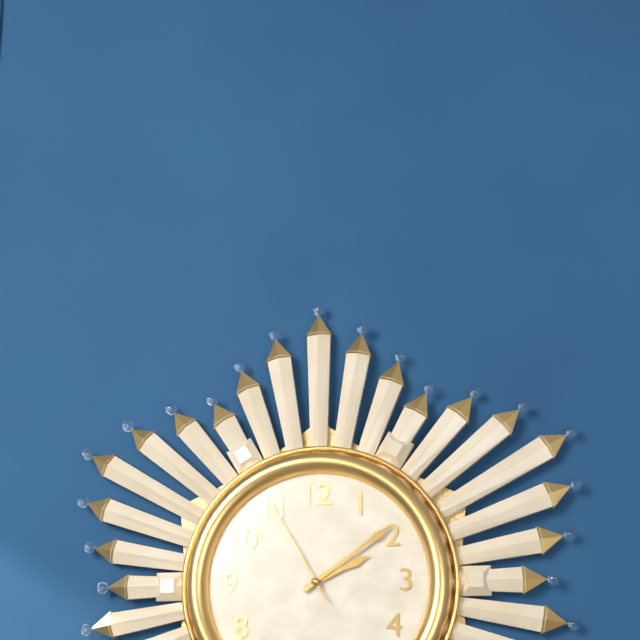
{"hour": 2, "minute": 9, "second": 55}
